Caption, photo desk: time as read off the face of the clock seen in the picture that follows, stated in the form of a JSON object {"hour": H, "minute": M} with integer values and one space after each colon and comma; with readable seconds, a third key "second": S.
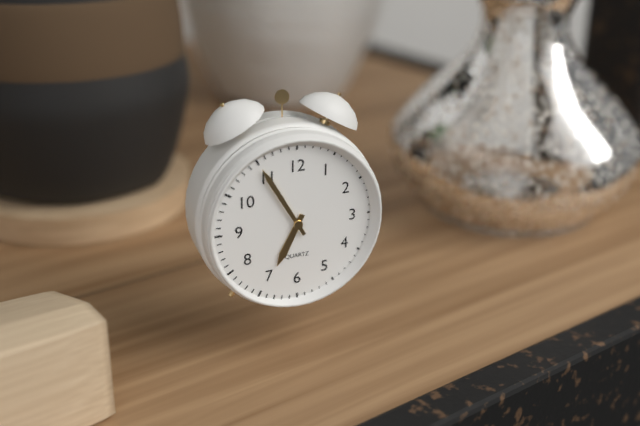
{"hour": 6, "minute": 55}
